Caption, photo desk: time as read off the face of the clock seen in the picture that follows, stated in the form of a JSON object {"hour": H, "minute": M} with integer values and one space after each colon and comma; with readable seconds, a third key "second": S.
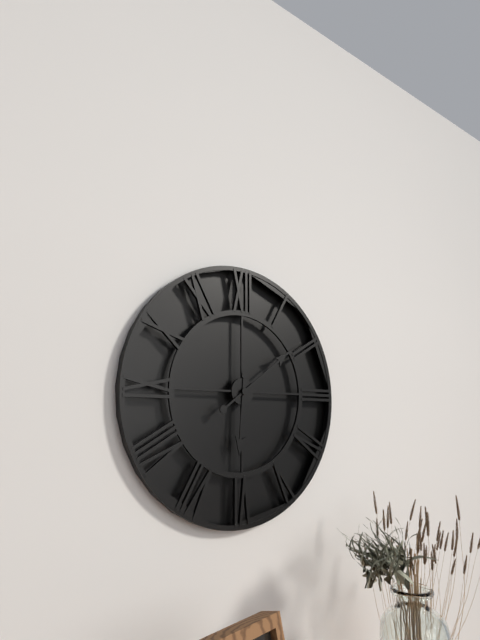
{"hour": 6, "minute": 9}
